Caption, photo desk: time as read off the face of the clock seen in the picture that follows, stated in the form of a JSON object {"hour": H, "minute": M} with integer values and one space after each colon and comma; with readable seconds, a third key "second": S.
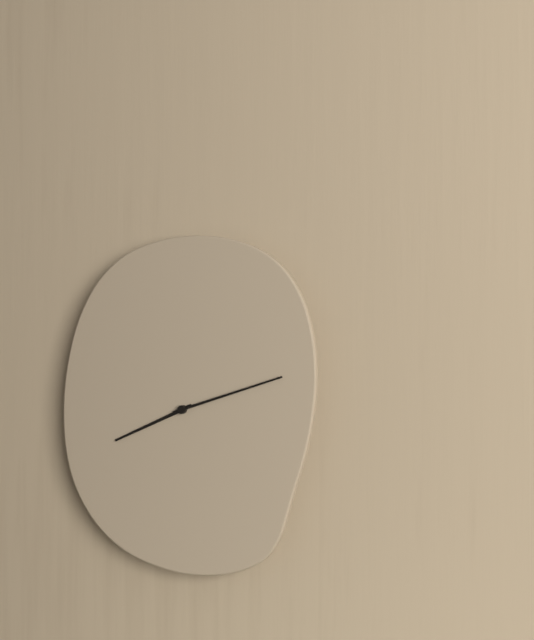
{"hour": 8, "minute": 12}
